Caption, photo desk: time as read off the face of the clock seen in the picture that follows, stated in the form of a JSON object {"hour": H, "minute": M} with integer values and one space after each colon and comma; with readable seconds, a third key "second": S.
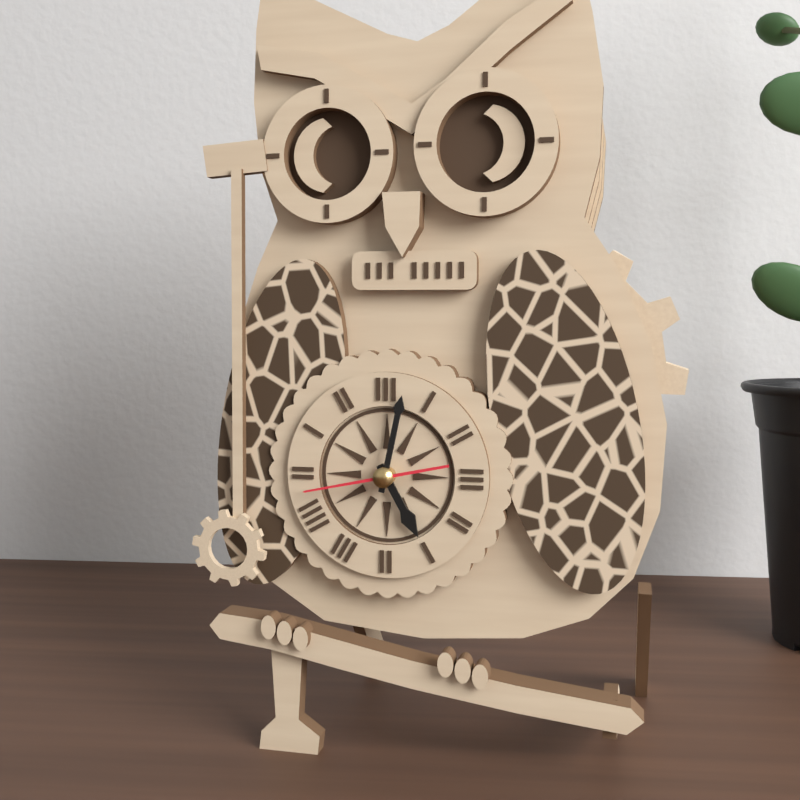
{"hour": 5, "minute": 2, "second": 43}
